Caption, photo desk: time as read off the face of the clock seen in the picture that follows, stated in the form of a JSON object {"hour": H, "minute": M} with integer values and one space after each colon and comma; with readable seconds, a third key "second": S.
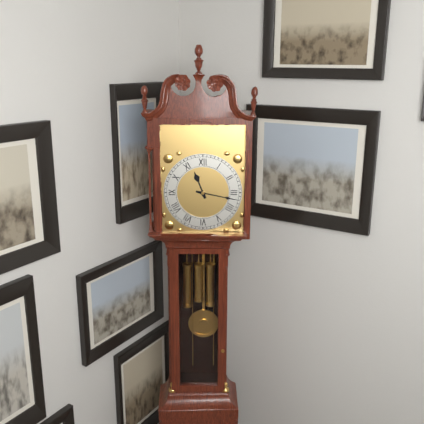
{"hour": 11, "minute": 17}
